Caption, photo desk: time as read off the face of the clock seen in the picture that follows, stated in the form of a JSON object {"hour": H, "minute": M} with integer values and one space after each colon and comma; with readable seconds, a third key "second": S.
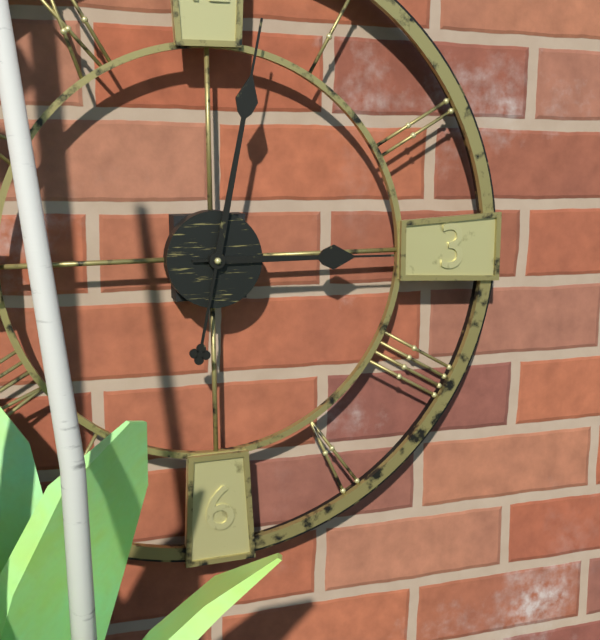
{"hour": 3, "minute": 2}
